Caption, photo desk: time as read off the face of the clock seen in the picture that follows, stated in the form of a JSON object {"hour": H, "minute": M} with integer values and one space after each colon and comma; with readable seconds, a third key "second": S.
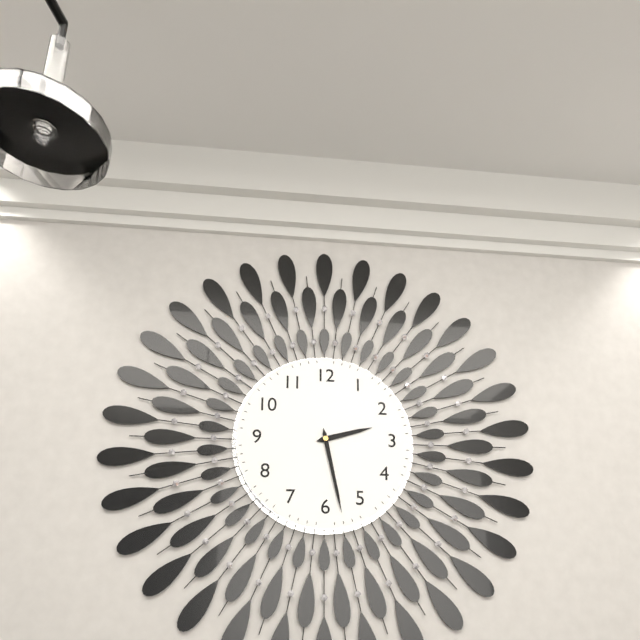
{"hour": 2, "minute": 28}
